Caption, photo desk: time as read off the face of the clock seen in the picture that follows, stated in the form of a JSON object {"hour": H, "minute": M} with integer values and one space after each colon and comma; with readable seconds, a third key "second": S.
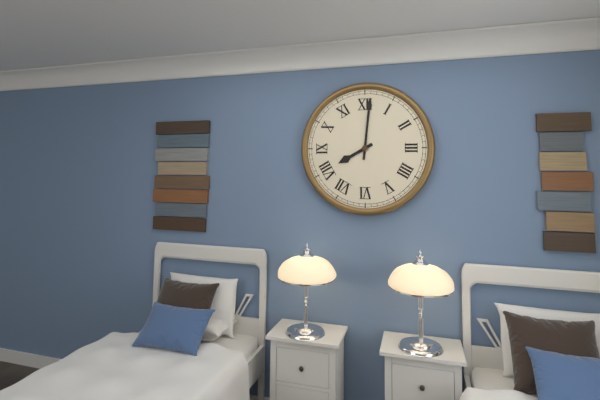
{"hour": 8, "minute": 1}
